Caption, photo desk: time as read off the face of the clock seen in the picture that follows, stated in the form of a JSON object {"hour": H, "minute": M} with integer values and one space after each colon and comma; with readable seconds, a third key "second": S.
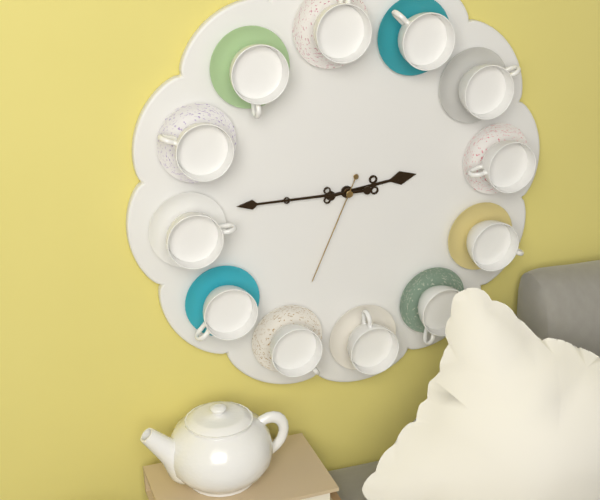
{"hour": 2, "minute": 45, "second": 34}
